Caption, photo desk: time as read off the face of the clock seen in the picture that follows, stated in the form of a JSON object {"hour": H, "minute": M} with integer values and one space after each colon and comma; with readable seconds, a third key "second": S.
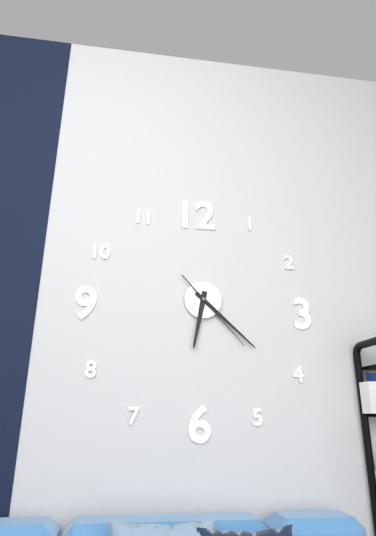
{"hour": 6, "minute": 22, "second": 23}
